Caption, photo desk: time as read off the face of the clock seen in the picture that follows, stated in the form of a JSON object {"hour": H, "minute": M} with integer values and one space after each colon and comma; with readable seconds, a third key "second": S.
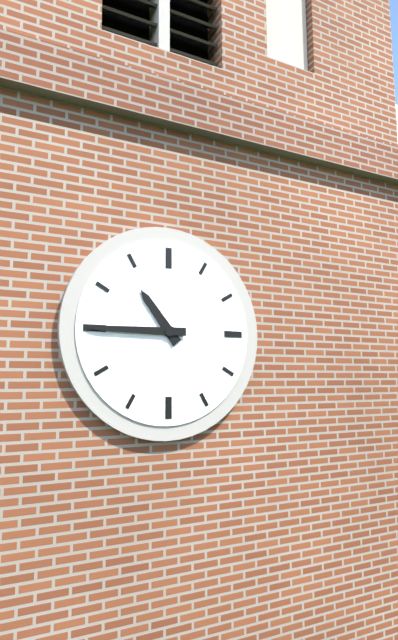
{"hour": 10, "minute": 45}
